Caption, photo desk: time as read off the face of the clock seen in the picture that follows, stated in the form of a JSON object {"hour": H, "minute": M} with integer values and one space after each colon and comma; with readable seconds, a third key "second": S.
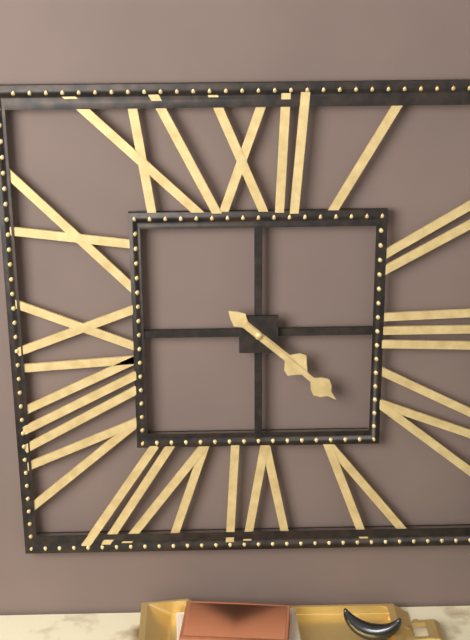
{"hour": 4, "minute": 22}
